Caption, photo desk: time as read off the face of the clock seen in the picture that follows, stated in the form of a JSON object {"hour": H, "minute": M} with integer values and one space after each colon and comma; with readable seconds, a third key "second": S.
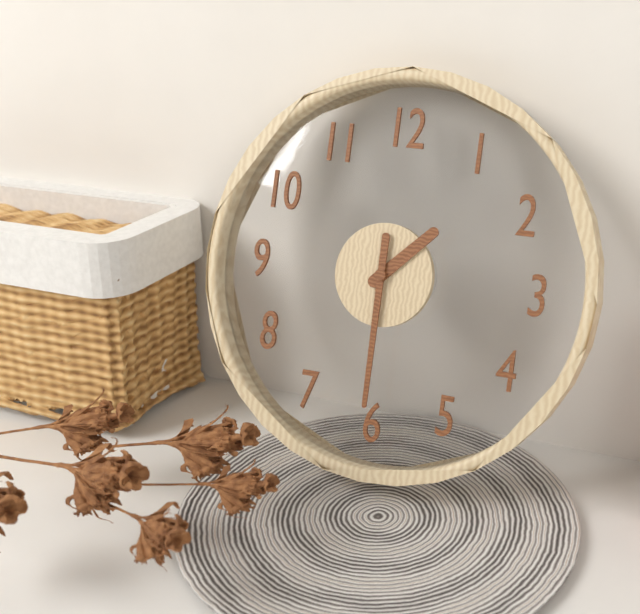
{"hour": 1, "minute": 30}
